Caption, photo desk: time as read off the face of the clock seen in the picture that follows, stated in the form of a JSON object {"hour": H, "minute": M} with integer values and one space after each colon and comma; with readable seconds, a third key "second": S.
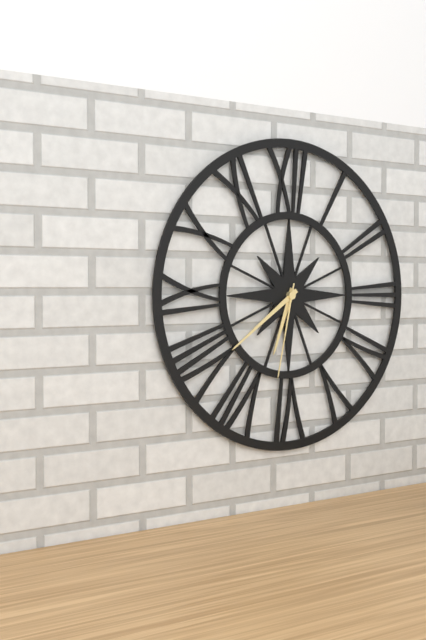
{"hour": 6, "minute": 39, "second": 32}
